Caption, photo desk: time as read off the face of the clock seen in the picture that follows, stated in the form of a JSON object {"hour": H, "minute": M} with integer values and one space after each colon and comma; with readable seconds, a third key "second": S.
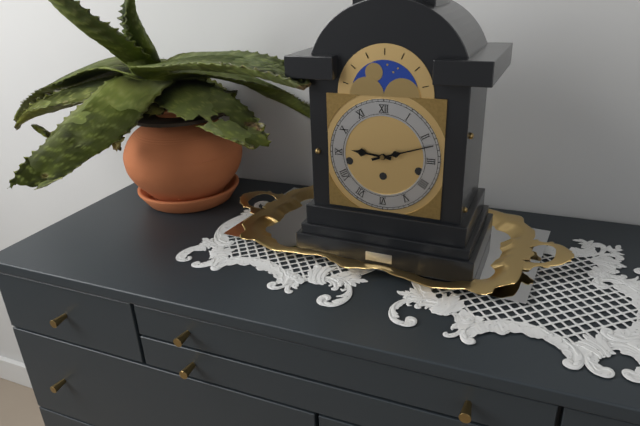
{"hour": 9, "minute": 12}
